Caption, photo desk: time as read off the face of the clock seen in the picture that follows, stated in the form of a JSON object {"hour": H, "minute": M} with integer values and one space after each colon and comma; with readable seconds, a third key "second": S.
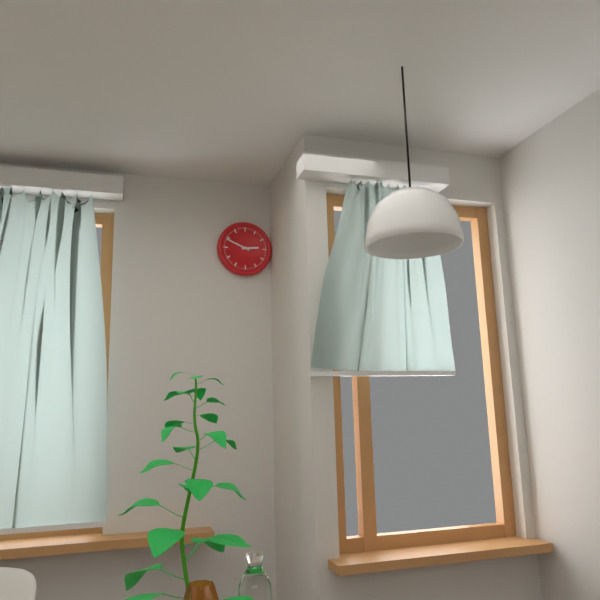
{"hour": 2, "minute": 49}
